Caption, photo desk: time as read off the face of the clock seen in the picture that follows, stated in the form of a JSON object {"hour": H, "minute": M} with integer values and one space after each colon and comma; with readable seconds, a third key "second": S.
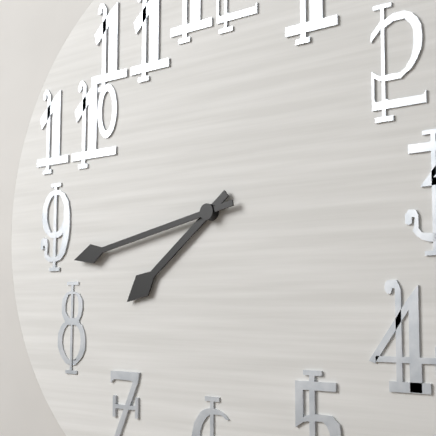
{"hour": 7, "minute": 43}
